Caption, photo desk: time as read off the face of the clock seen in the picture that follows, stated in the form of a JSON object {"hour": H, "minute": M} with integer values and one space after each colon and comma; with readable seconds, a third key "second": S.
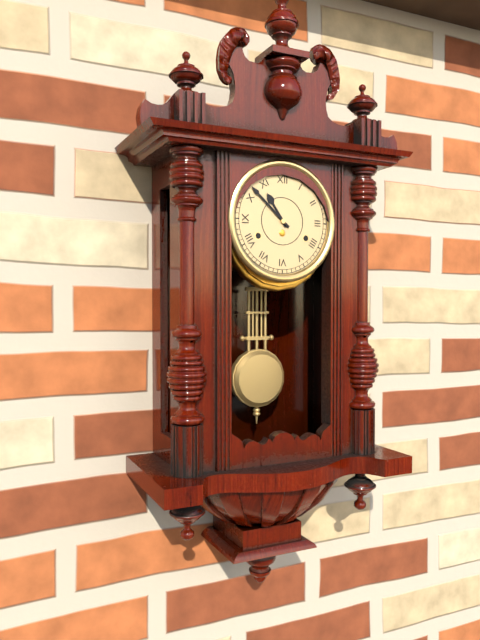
{"hour": 10, "minute": 52}
